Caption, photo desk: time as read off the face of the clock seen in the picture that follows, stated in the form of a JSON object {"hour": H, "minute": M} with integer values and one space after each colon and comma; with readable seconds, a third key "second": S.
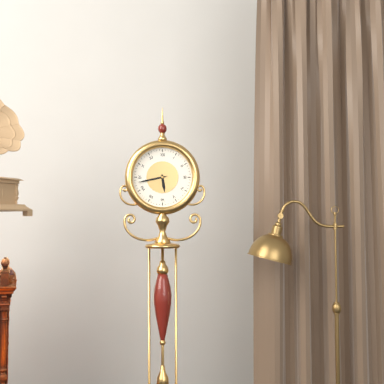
{"hour": 5, "minute": 43}
